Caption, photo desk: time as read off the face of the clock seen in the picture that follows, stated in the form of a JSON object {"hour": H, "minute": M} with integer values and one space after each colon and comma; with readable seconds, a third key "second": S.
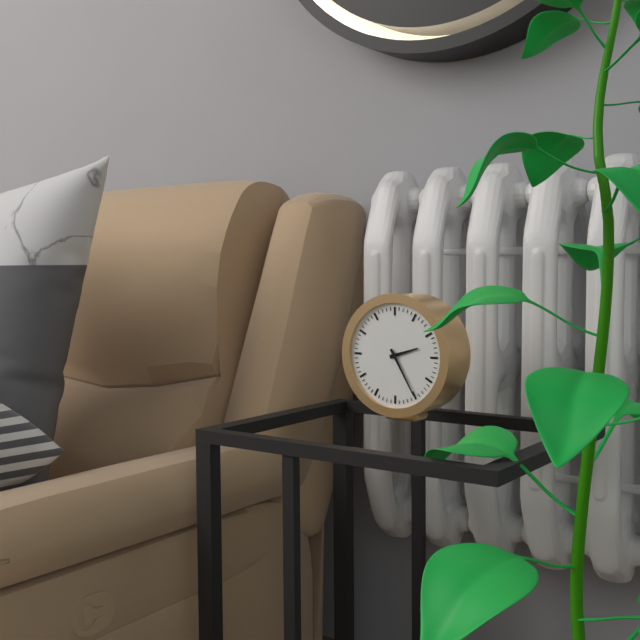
{"hour": 2, "minute": 25}
